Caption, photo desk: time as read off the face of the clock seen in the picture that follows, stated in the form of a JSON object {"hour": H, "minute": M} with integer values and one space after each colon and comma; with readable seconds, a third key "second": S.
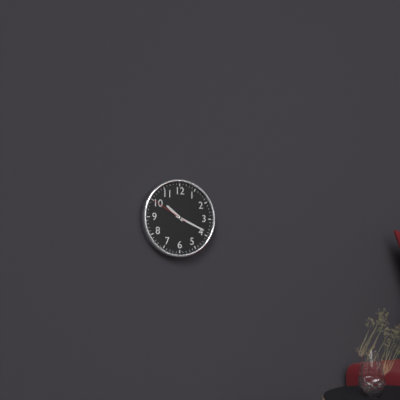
{"hour": 10, "minute": 19}
